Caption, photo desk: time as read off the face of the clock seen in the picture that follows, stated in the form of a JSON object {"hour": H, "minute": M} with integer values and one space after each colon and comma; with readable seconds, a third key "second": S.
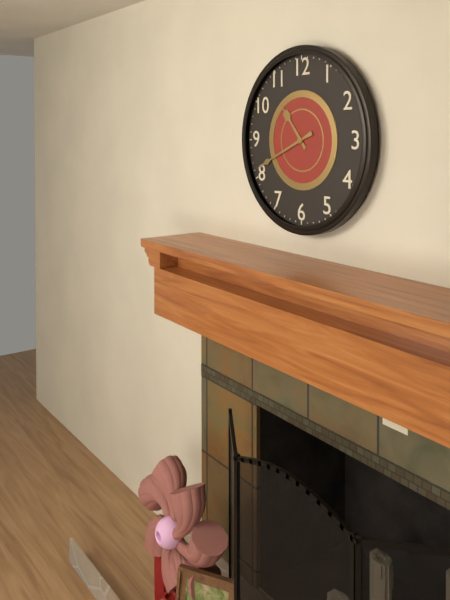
{"hour": 10, "minute": 41}
